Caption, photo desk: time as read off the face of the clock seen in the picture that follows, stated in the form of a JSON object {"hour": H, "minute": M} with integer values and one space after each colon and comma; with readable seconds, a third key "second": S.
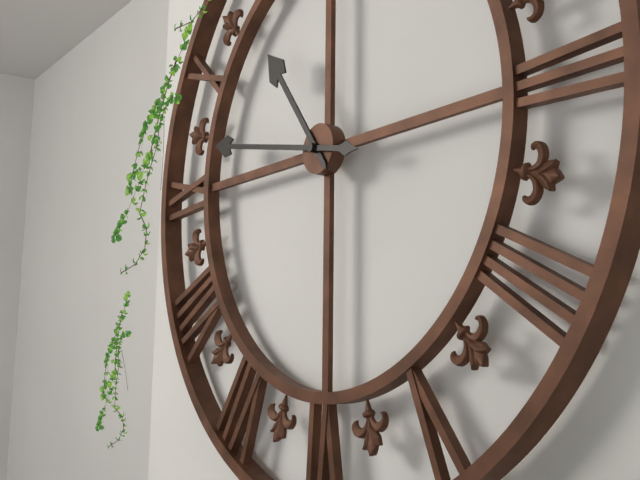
{"hour": 10, "minute": 47}
